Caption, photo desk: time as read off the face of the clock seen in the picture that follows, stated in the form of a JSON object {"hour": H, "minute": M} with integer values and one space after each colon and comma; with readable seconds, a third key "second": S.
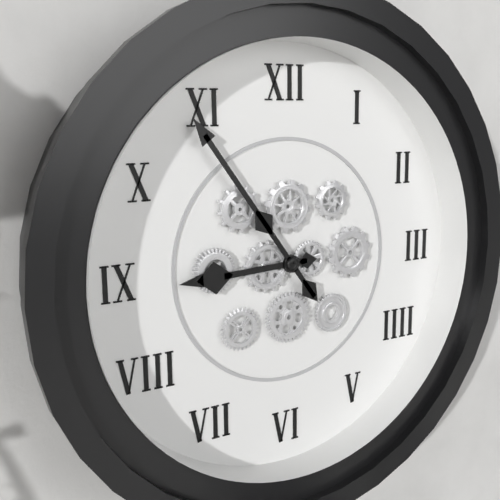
{"hour": 8, "minute": 54}
